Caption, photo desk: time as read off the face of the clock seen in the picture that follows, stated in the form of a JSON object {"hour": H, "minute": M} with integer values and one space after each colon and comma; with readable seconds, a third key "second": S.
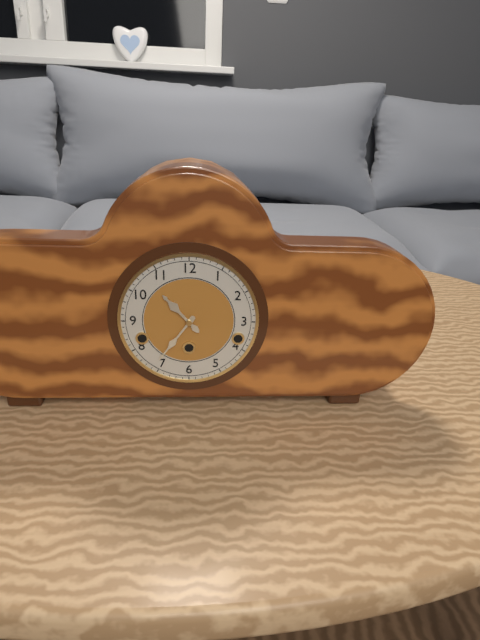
{"hour": 10, "minute": 36}
